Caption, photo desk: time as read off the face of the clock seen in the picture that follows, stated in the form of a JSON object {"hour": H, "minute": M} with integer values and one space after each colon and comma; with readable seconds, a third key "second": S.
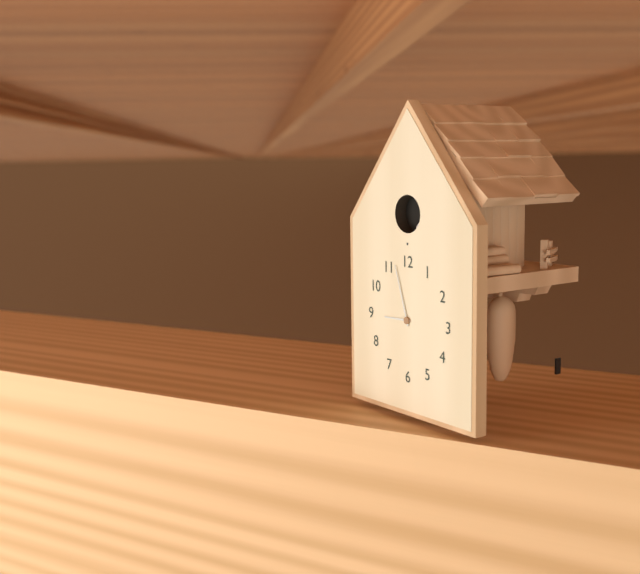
{"hour": 8, "minute": 57}
